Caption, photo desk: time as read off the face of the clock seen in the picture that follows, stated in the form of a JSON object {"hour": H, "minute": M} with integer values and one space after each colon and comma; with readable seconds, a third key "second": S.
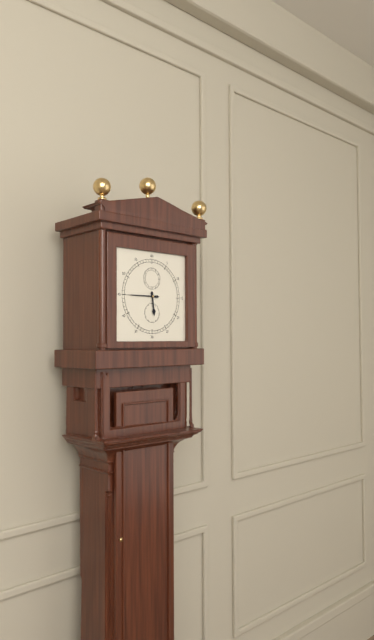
{"hour": 5, "minute": 45}
